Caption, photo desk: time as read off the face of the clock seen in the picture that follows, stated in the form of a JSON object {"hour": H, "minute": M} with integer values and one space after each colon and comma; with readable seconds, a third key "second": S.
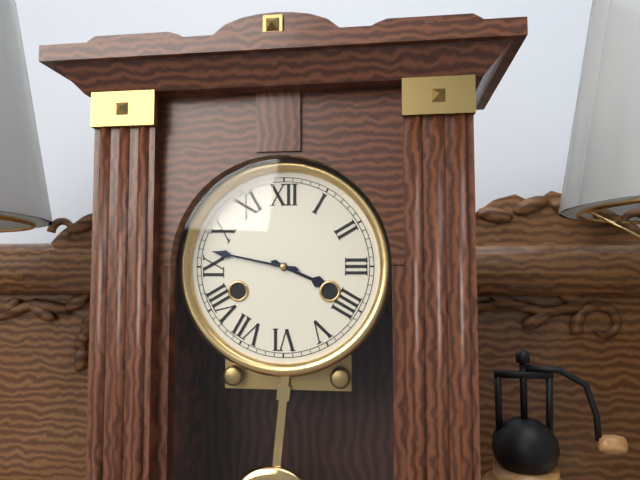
{"hour": 3, "minute": 47}
